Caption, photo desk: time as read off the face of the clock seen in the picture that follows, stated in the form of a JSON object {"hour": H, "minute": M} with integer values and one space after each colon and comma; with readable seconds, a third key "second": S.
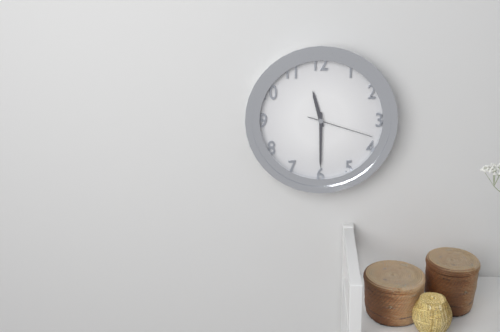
{"hour": 11, "minute": 30, "second": 18}
